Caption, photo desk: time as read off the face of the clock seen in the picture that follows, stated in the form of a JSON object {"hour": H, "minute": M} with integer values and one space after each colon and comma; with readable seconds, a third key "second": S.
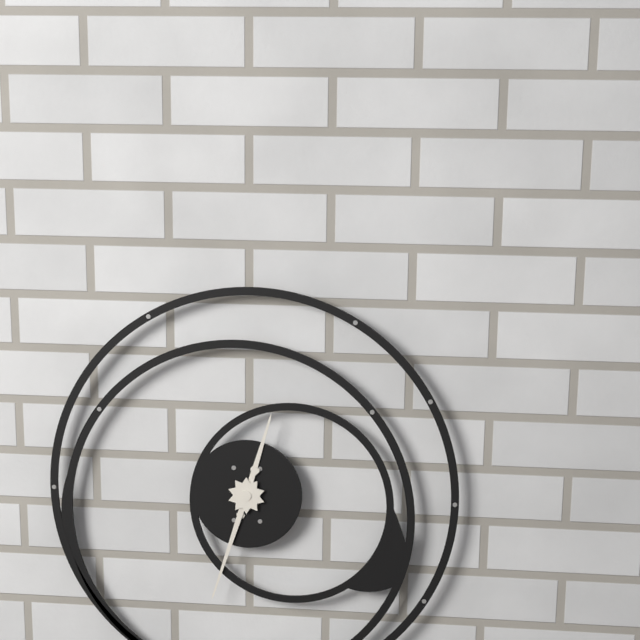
{"hour": 12, "minute": 33}
